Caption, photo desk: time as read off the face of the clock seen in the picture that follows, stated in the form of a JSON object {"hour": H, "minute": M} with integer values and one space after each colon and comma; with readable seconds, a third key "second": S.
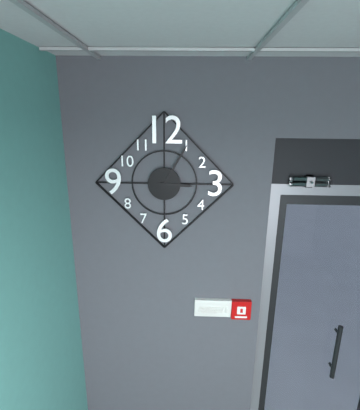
{"hour": 3, "minute": 5}
